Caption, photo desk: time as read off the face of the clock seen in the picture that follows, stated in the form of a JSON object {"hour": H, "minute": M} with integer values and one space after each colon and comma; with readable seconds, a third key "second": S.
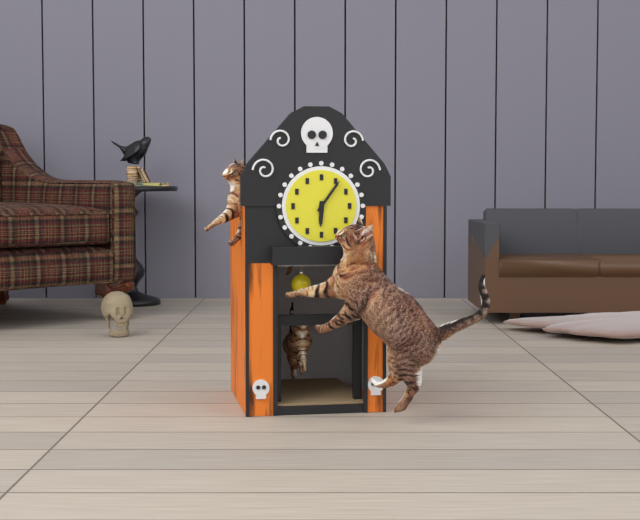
{"hour": 6, "minute": 6}
